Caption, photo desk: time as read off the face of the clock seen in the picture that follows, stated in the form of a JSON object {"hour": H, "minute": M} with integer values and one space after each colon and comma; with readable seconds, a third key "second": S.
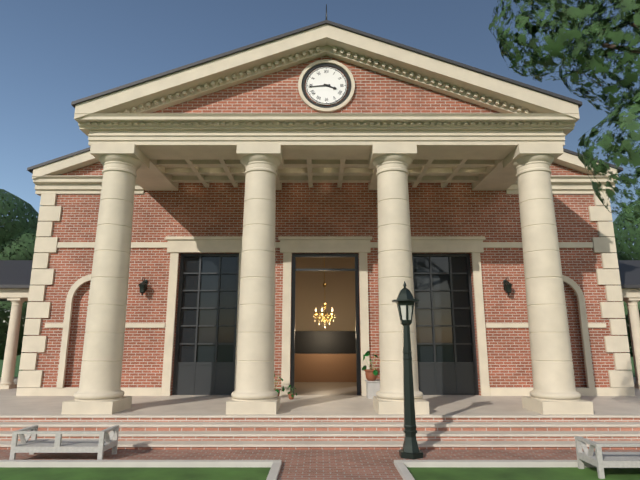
{"hour": 3, "minute": 44}
